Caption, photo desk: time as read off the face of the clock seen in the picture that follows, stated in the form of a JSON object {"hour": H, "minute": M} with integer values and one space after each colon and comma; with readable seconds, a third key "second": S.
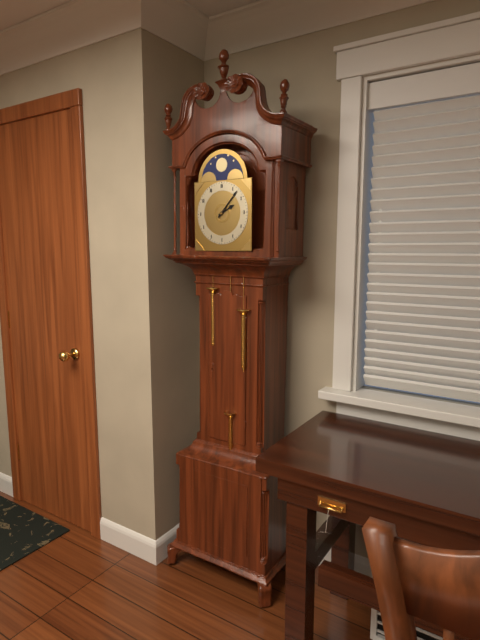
{"hour": 2, "minute": 7}
